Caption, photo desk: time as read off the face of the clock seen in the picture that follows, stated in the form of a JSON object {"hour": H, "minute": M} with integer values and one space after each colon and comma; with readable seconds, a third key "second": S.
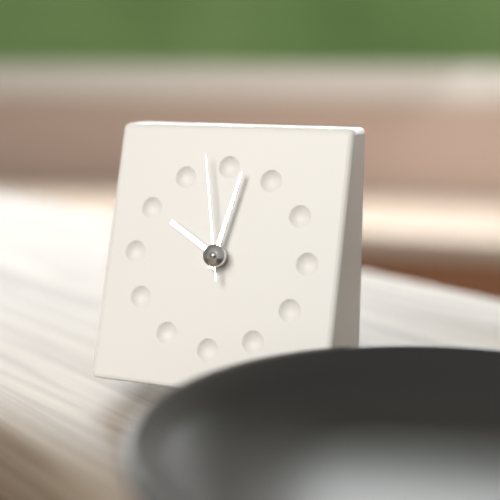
{"hour": 10, "minute": 2, "second": 58}
